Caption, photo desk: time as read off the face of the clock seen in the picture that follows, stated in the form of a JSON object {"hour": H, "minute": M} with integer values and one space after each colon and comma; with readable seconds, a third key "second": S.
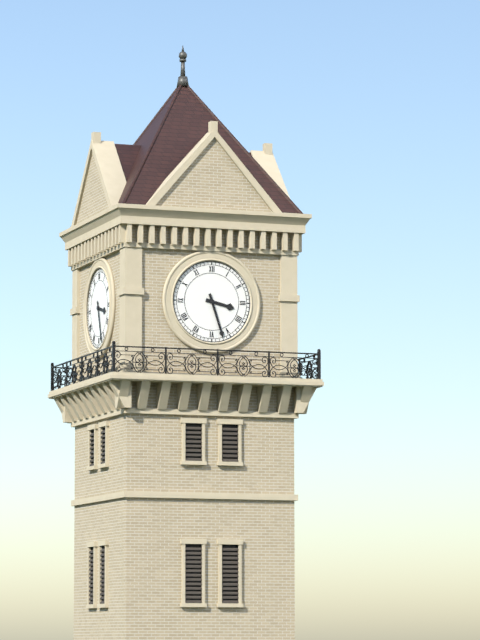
{"hour": 3, "minute": 27}
